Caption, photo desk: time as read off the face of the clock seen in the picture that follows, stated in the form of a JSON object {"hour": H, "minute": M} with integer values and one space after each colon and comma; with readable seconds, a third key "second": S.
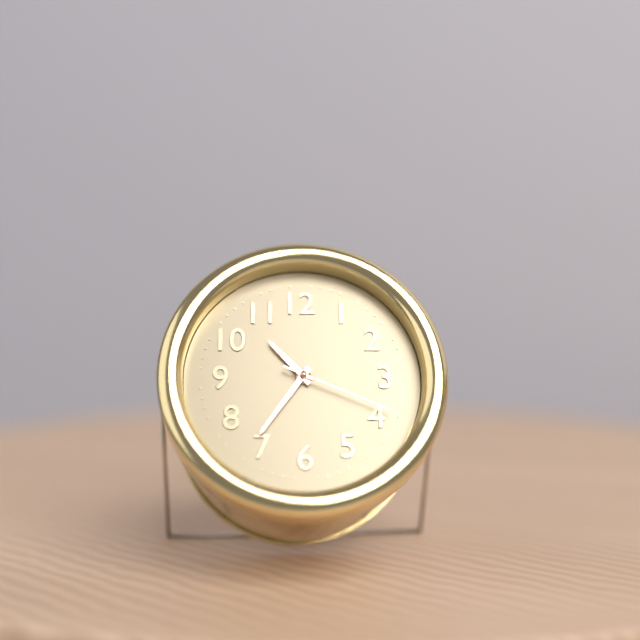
{"hour": 10, "minute": 36, "second": 19}
